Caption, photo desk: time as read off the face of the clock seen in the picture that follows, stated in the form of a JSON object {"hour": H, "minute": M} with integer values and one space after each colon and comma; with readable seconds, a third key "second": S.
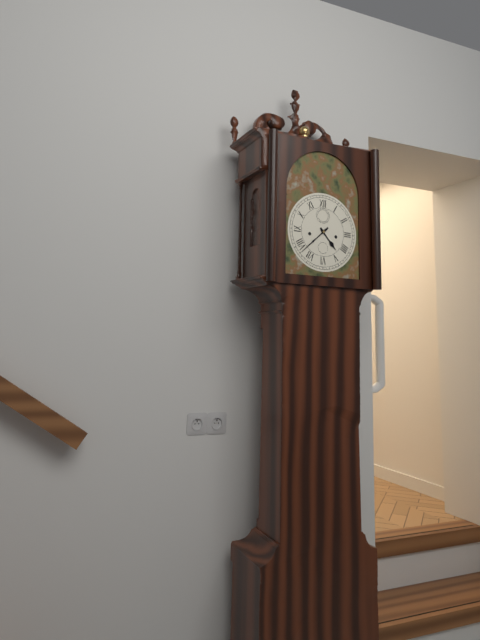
{"hour": 4, "minute": 38}
